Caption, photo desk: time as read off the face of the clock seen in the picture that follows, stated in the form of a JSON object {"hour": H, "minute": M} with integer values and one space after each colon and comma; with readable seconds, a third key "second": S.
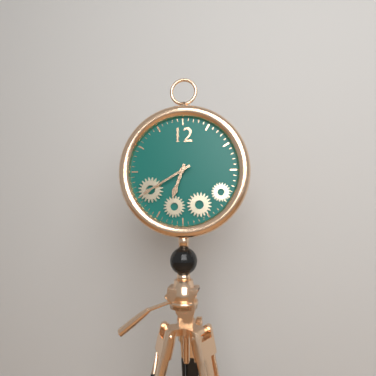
{"hour": 6, "minute": 40}
